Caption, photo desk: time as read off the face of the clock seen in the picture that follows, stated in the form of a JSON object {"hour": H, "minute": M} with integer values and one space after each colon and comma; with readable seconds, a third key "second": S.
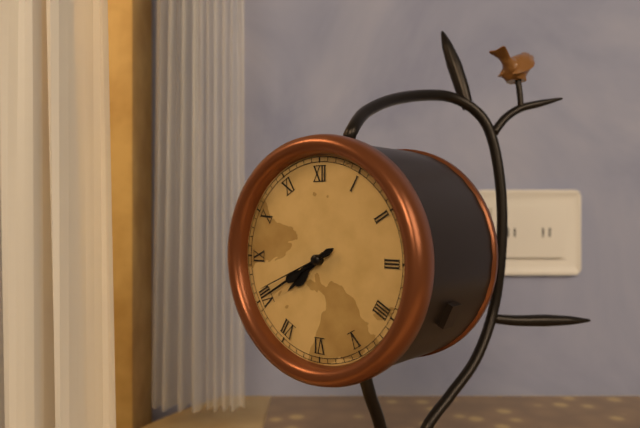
{"hour": 7, "minute": 40, "second": 41}
